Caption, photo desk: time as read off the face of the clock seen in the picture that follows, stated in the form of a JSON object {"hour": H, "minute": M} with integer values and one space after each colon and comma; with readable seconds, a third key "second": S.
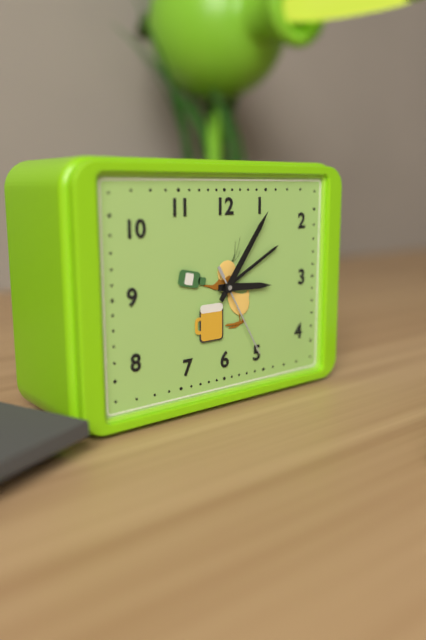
{"hour": 3, "minute": 6, "second": 25}
